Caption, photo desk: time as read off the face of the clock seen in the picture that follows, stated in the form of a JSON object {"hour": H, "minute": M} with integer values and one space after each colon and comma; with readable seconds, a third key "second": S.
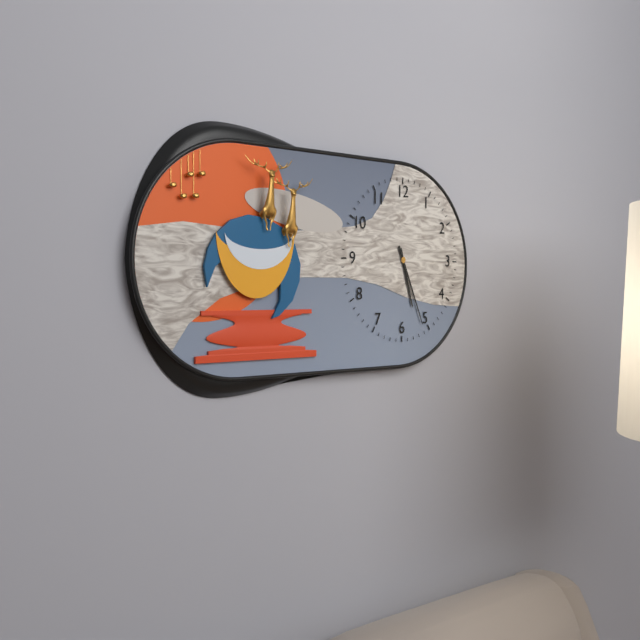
{"hour": 5, "minute": 26}
